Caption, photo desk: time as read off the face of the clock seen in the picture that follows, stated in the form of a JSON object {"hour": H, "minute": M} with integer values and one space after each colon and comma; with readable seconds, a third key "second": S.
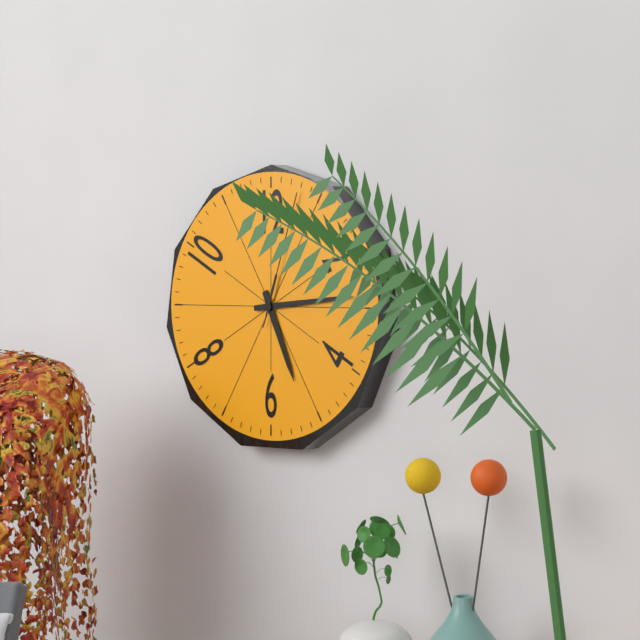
{"hour": 5, "minute": 14}
